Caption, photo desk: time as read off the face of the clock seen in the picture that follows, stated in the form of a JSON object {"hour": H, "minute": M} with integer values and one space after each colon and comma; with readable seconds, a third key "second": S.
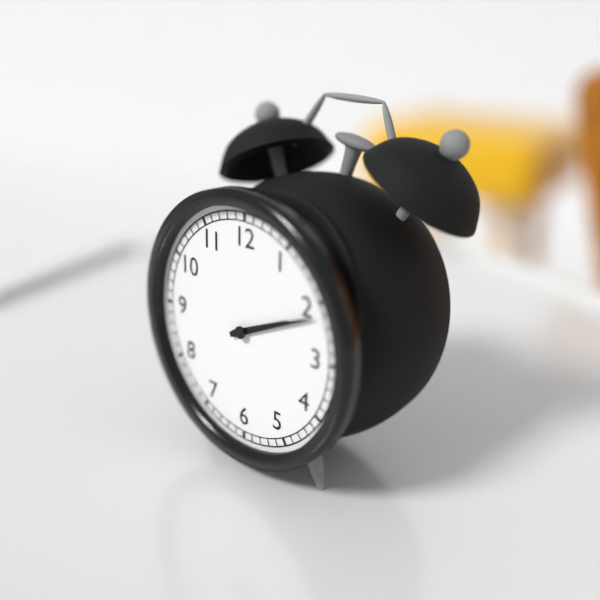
{"hour": 2, "minute": 11}
